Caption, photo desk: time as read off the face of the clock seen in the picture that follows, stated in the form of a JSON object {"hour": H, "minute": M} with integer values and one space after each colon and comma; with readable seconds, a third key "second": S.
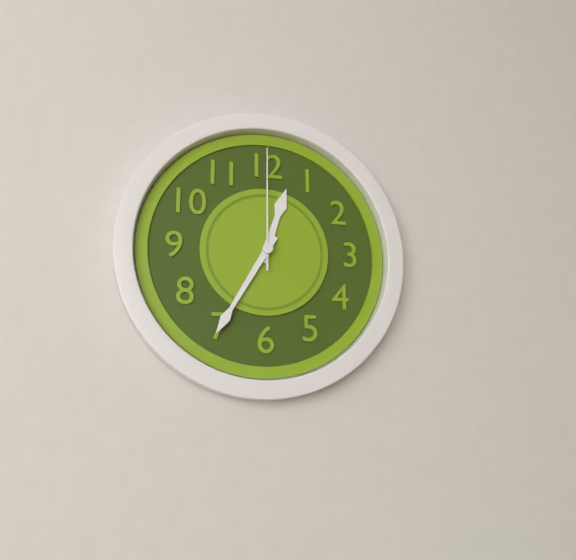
{"hour": 12, "minute": 35, "second": 0}
